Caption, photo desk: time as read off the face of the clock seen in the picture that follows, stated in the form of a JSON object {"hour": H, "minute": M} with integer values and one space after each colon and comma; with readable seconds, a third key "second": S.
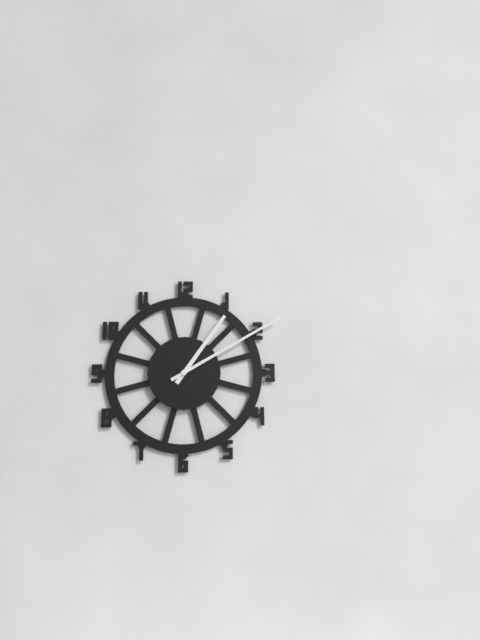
{"hour": 1, "minute": 10}
